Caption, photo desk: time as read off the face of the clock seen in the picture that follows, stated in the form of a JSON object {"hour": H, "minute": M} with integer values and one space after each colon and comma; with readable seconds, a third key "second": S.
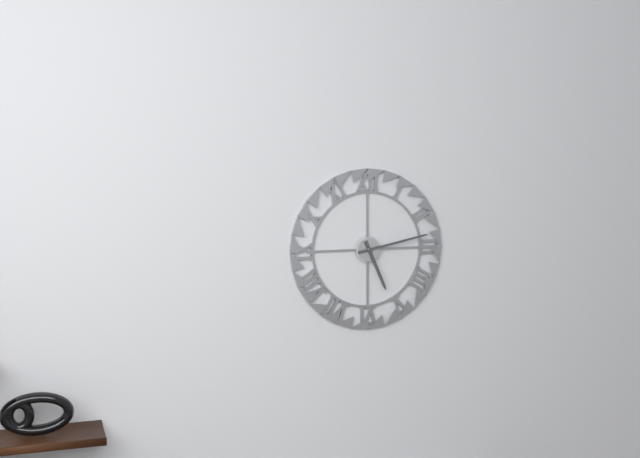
{"hour": 5, "minute": 13}
